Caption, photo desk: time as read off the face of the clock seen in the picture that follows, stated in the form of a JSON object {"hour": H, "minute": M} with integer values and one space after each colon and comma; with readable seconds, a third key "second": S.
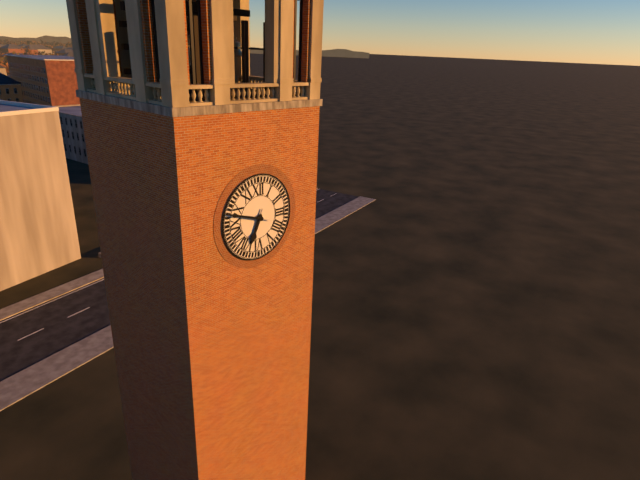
{"hour": 6, "minute": 48}
